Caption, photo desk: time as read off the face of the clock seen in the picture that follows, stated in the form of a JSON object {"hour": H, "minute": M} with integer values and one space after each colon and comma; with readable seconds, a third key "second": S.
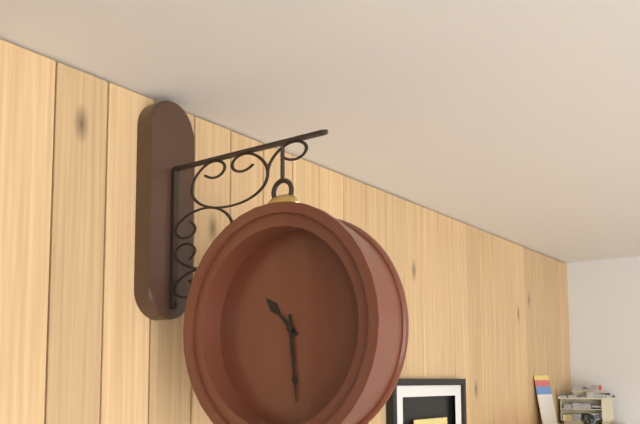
{"hour": 10, "minute": 29}
